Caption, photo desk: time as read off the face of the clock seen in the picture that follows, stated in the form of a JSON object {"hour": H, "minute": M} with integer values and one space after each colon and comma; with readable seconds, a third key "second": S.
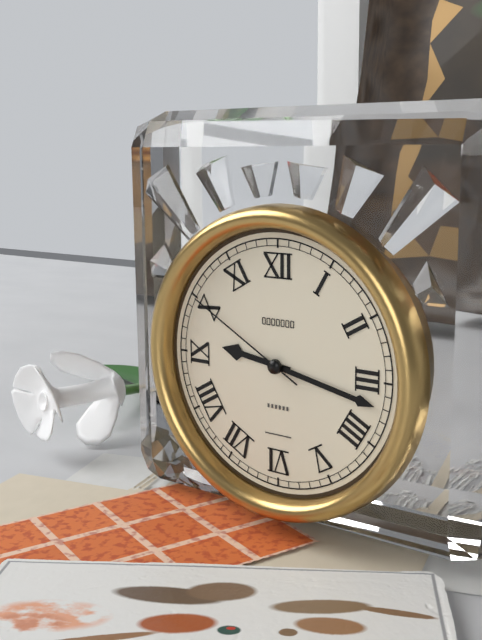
{"hour": 9, "minute": 17, "second": 50}
